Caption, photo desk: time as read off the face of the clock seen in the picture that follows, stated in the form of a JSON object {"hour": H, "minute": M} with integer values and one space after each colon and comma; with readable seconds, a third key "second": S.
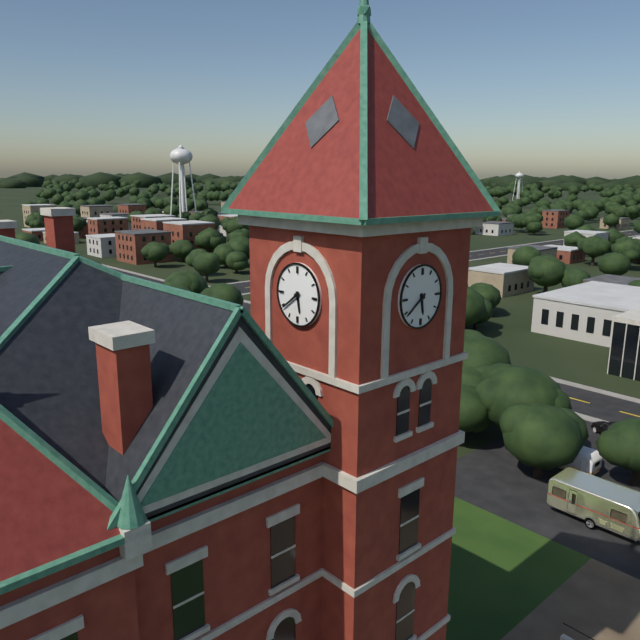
{"hour": 5, "minute": 39}
